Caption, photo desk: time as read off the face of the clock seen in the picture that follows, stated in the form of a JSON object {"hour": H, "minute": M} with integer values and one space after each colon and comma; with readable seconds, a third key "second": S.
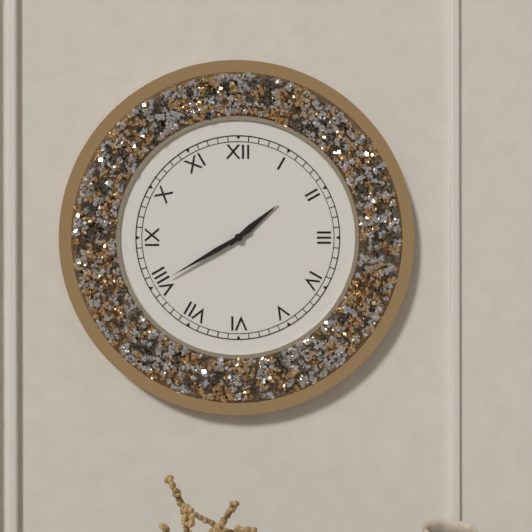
{"hour": 1, "minute": 40}
